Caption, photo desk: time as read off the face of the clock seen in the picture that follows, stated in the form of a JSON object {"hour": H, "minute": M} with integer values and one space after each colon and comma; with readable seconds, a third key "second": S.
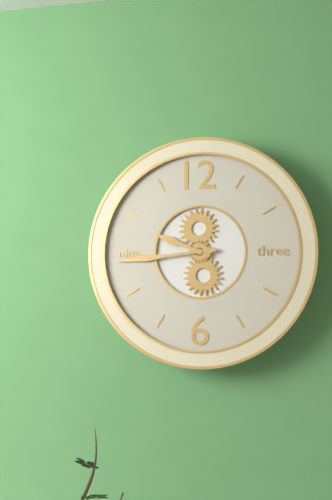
{"hour": 9, "minute": 44}
